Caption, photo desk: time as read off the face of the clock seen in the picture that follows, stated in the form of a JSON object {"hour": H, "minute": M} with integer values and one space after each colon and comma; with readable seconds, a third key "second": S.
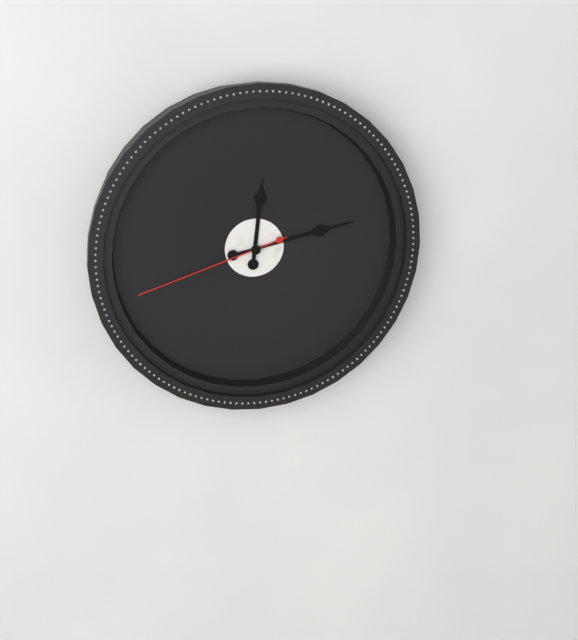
{"hour": 12, "minute": 13, "second": 42}
